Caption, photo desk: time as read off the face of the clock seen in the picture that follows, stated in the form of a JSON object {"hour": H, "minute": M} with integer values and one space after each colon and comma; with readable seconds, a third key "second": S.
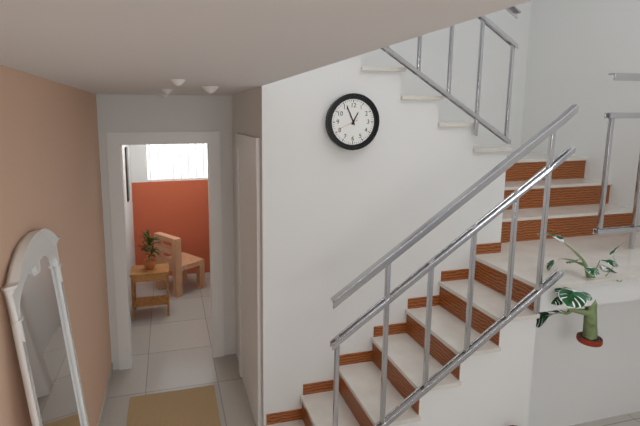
{"hour": 12, "minute": 56}
